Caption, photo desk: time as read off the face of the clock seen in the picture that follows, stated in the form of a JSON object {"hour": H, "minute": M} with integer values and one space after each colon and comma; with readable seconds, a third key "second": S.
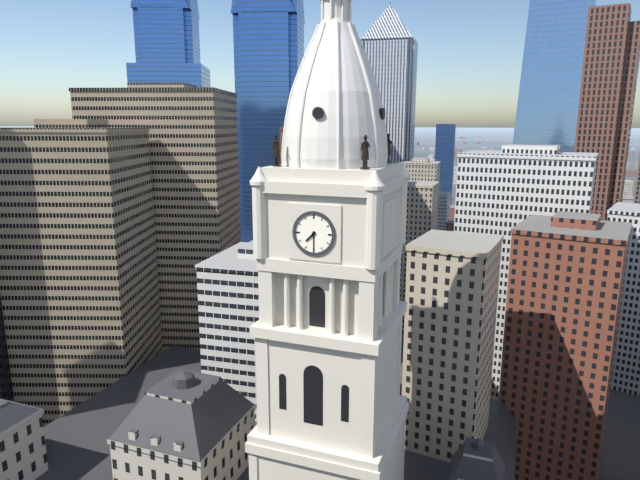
{"hour": 7, "minute": 30}
